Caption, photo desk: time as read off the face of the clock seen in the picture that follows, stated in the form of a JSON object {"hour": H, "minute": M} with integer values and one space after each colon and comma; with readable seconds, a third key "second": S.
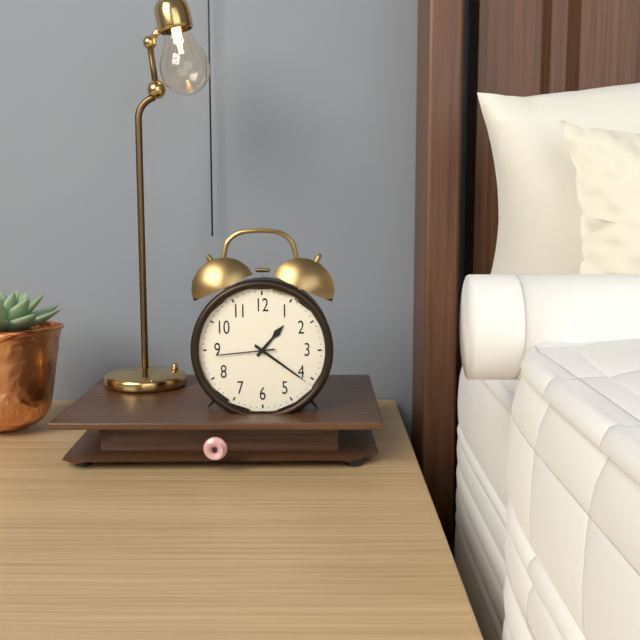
{"hour": 1, "minute": 21, "second": 44}
